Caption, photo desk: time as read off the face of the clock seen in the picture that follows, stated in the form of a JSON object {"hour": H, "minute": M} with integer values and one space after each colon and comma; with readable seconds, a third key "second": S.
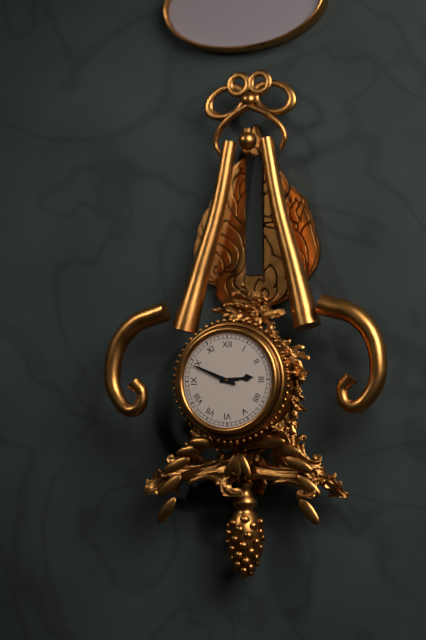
{"hour": 2, "minute": 49}
